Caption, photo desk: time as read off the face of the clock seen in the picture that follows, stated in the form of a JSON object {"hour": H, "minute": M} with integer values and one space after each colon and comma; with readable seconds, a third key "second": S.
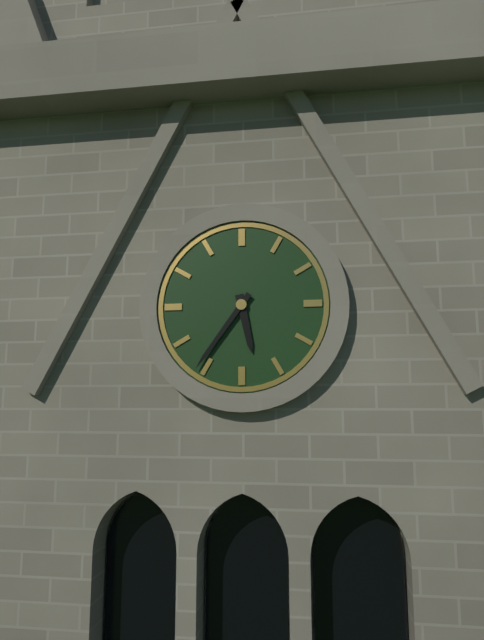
{"hour": 5, "minute": 36}
